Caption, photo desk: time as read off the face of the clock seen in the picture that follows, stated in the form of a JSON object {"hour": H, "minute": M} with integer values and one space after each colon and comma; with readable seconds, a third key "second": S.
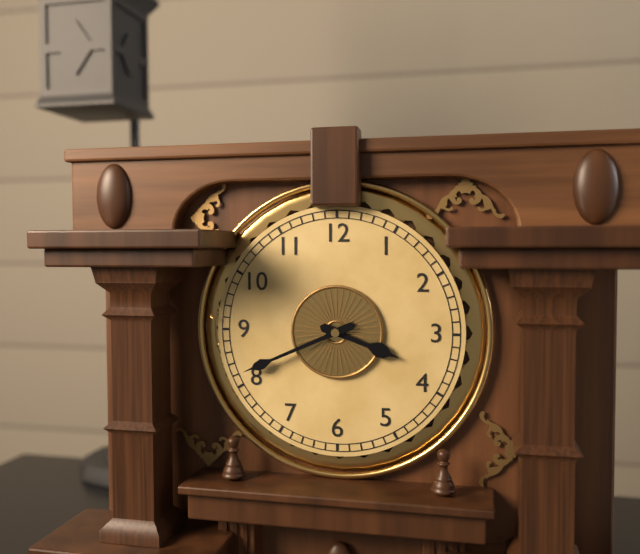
{"hour": 3, "minute": 41}
